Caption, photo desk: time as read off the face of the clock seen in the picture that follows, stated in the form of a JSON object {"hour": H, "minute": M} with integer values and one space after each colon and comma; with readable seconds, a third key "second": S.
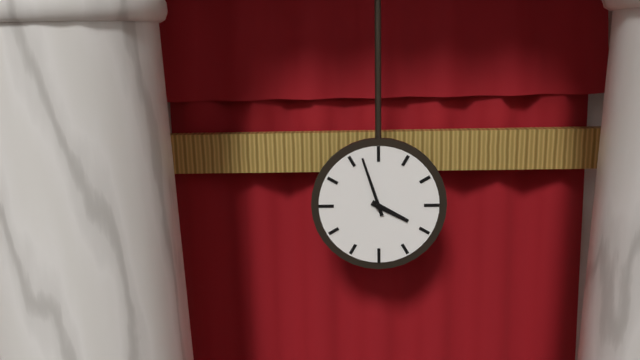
{"hour": 3, "minute": 57}
